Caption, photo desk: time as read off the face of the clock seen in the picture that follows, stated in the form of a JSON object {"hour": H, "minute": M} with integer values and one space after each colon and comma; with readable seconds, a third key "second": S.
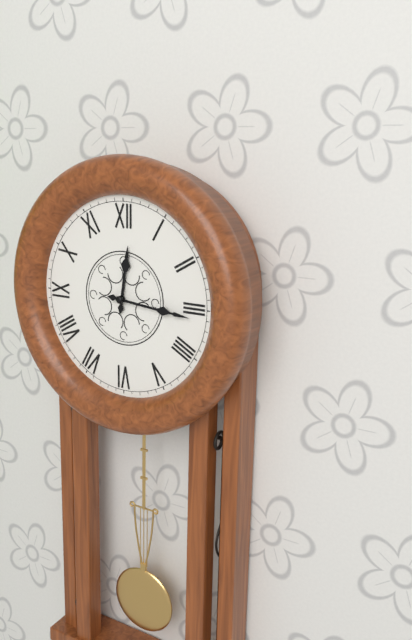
{"hour": 12, "minute": 16}
